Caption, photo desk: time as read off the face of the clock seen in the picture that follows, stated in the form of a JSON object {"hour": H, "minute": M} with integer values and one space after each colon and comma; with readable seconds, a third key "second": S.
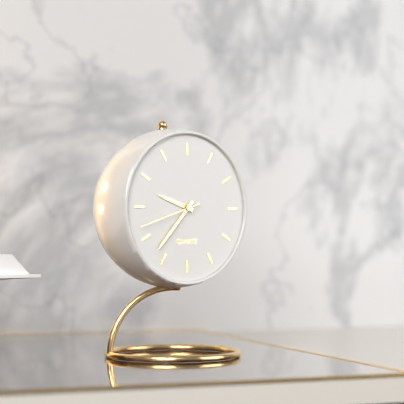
{"hour": 9, "minute": 37, "second": 42}
